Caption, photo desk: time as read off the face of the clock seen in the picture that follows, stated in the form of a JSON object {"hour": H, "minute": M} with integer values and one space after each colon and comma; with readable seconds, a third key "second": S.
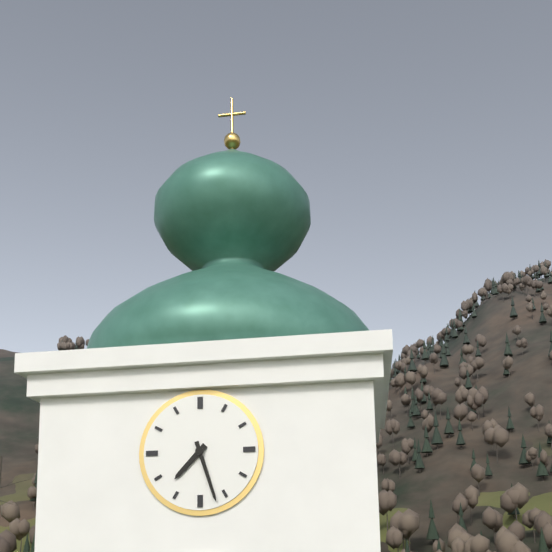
{"hour": 7, "minute": 27}
